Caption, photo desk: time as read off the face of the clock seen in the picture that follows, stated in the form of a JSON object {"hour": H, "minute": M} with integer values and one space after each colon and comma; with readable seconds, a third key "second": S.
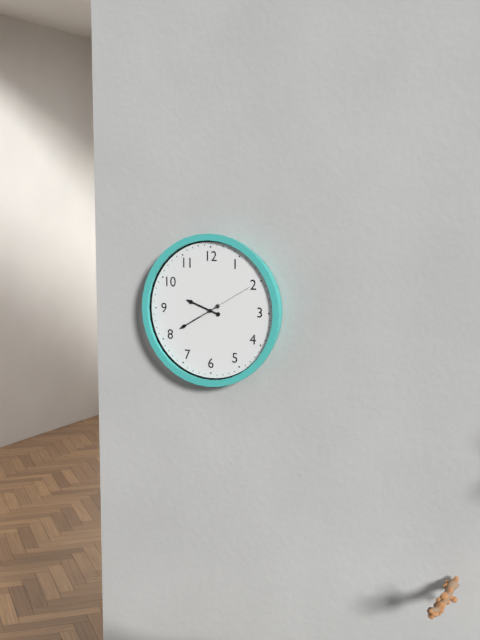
{"hour": 9, "minute": 40, "second": 10}
